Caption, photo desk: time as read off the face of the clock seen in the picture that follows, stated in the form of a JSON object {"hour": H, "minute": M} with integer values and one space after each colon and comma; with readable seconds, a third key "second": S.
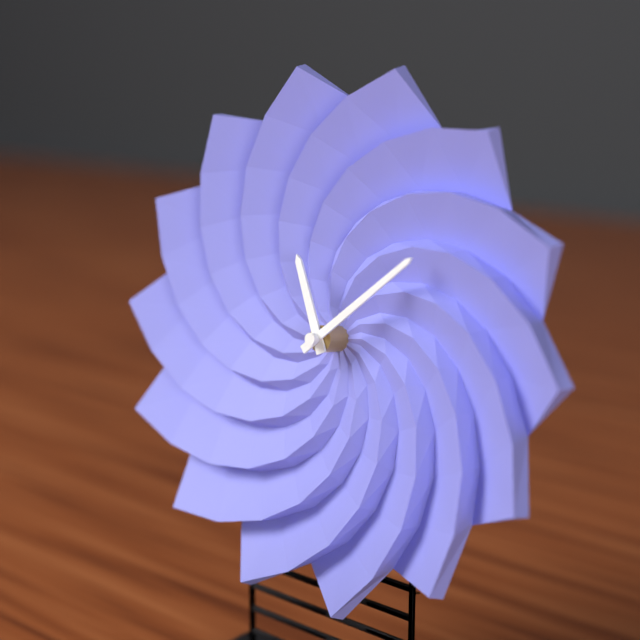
{"hour": 11, "minute": 8}
